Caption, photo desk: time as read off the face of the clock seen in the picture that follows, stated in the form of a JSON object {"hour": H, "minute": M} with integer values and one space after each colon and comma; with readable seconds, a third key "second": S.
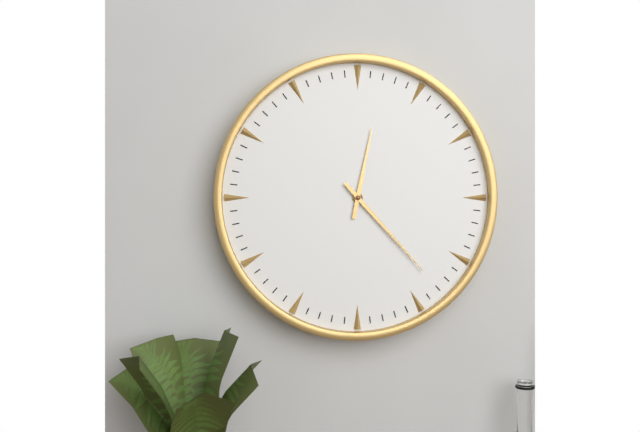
{"hour": 12, "minute": 23}
